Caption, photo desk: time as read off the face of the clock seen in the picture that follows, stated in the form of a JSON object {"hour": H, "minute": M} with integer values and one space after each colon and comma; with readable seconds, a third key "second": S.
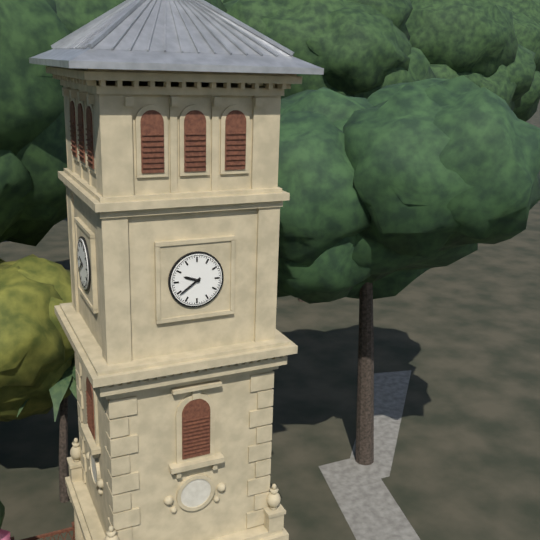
{"hour": 9, "minute": 39}
